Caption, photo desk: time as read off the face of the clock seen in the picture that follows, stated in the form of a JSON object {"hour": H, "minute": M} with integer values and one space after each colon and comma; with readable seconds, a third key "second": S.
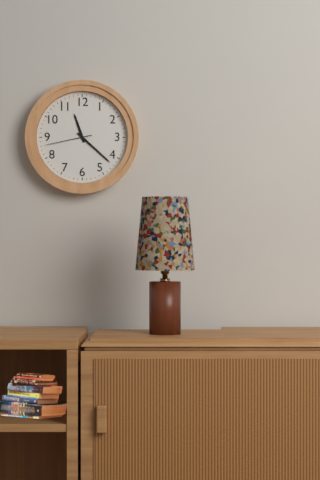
{"hour": 11, "minute": 22}
